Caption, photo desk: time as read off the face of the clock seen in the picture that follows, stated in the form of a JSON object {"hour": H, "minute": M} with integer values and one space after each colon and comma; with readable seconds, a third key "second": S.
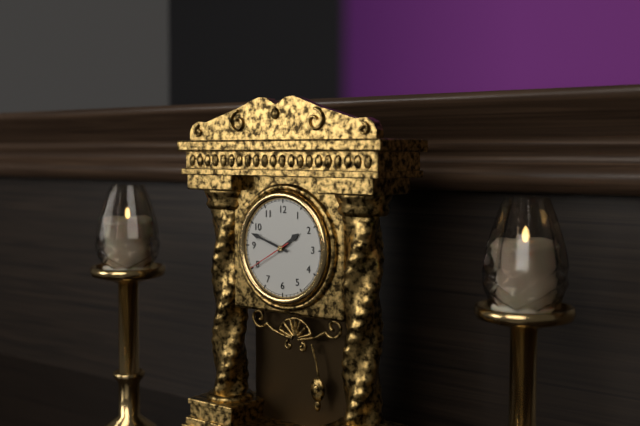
{"hour": 1, "minute": 48}
